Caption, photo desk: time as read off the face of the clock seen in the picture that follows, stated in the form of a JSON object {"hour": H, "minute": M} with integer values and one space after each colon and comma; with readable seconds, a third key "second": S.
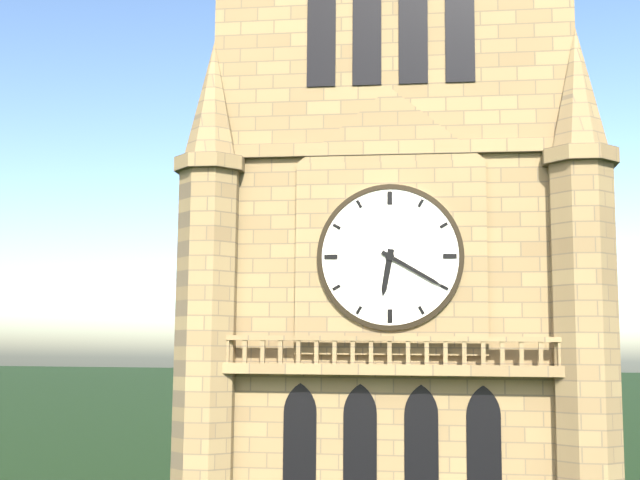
{"hour": 6, "minute": 20}
